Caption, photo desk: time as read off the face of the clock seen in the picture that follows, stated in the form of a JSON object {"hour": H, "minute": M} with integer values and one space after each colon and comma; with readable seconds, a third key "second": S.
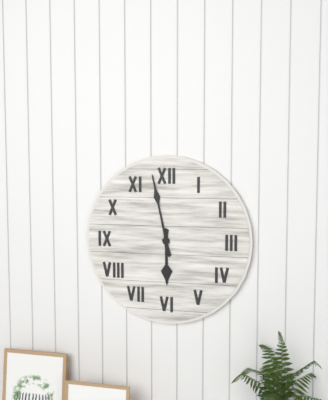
{"hour": 5, "minute": 58}
